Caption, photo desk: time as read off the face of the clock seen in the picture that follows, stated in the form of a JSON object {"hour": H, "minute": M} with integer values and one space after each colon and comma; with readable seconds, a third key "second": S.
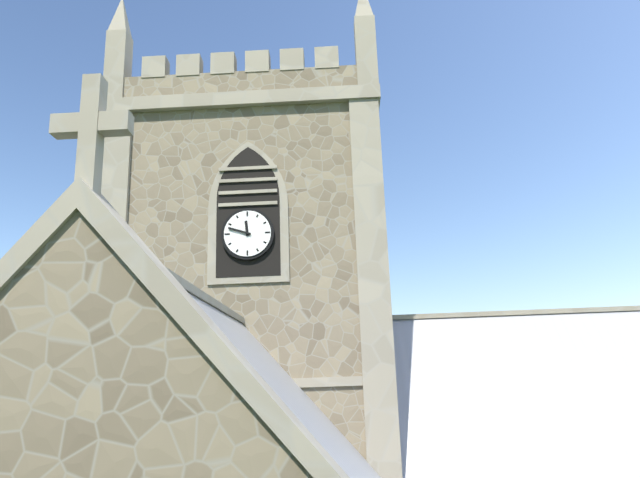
{"hour": 11, "minute": 48}
